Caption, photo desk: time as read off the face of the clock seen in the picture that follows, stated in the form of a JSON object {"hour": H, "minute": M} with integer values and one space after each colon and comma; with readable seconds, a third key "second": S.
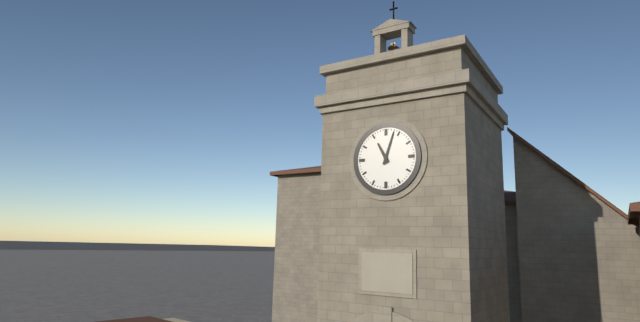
{"hour": 11, "minute": 3}
